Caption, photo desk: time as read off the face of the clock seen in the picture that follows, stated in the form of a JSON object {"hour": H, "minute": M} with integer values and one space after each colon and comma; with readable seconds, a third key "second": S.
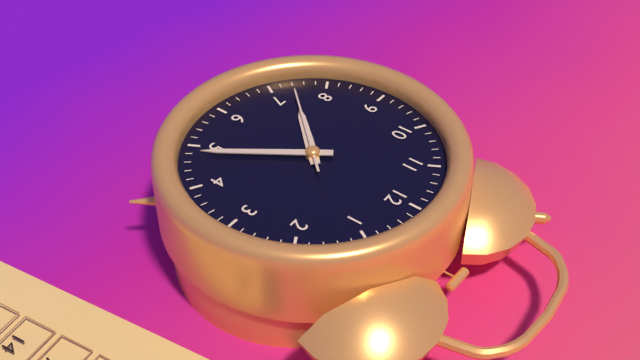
{"hour": 7, "minute": 24, "second": 37}
